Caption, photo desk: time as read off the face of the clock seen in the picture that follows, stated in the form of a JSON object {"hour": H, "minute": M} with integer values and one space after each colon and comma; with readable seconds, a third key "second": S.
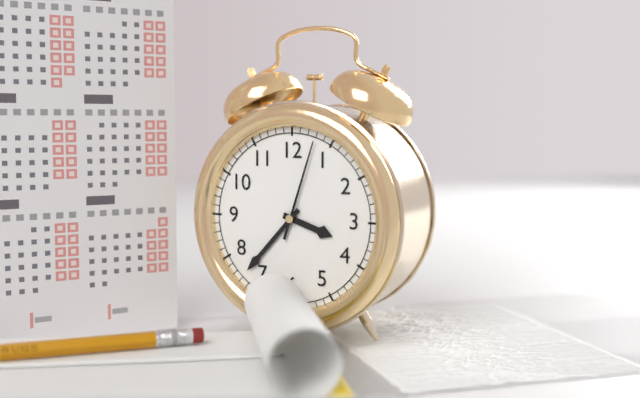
{"hour": 3, "minute": 37, "second": 3}
